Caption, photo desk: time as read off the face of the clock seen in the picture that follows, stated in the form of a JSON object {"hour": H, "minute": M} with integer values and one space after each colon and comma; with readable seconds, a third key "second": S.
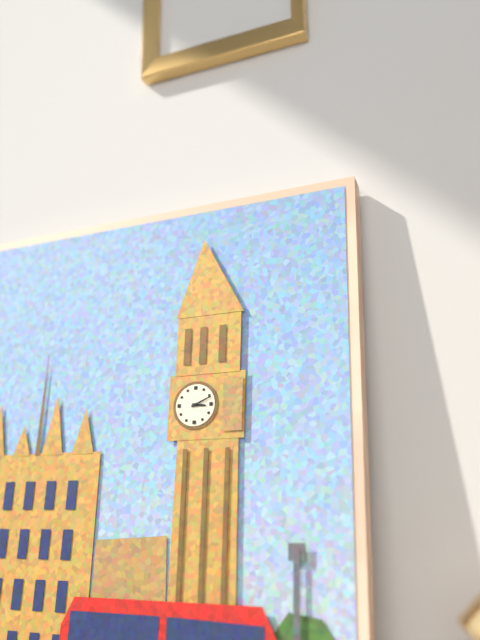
{"hour": 3, "minute": 11}
